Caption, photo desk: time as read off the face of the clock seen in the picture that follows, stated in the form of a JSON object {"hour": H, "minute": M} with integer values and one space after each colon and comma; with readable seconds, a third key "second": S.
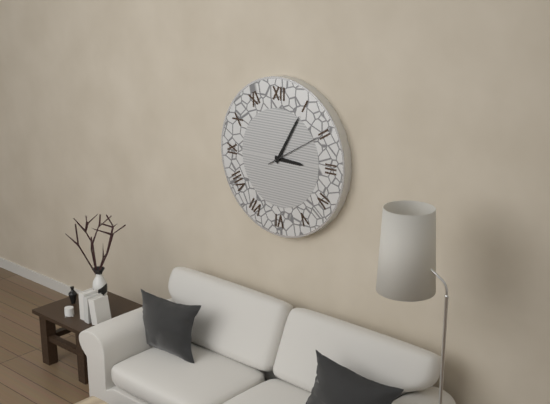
{"hour": 3, "minute": 5, "second": 10}
